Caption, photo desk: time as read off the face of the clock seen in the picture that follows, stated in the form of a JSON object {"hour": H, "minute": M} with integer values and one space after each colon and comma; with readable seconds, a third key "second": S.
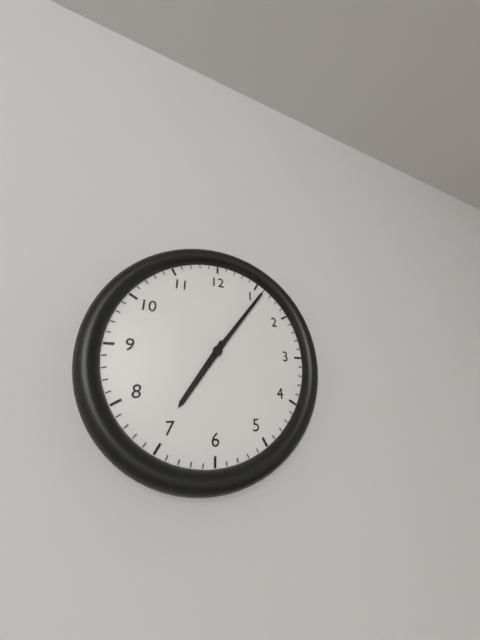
{"hour": 7, "minute": 6}
